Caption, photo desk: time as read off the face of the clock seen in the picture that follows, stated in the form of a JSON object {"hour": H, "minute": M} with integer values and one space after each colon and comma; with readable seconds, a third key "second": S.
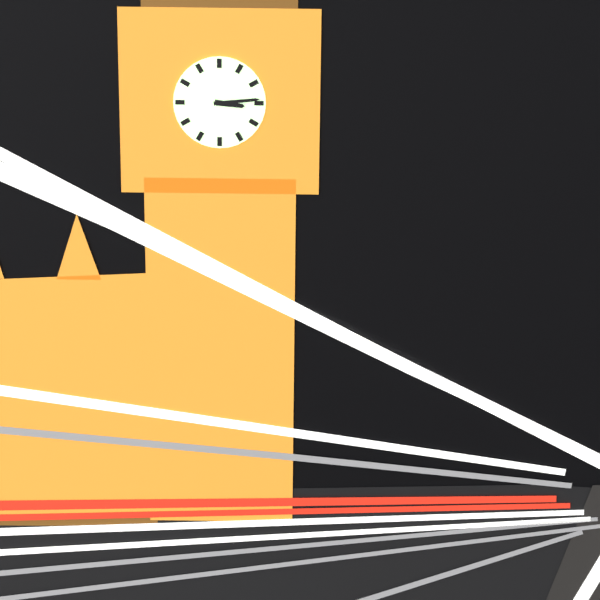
{"hour": 3, "minute": 14}
